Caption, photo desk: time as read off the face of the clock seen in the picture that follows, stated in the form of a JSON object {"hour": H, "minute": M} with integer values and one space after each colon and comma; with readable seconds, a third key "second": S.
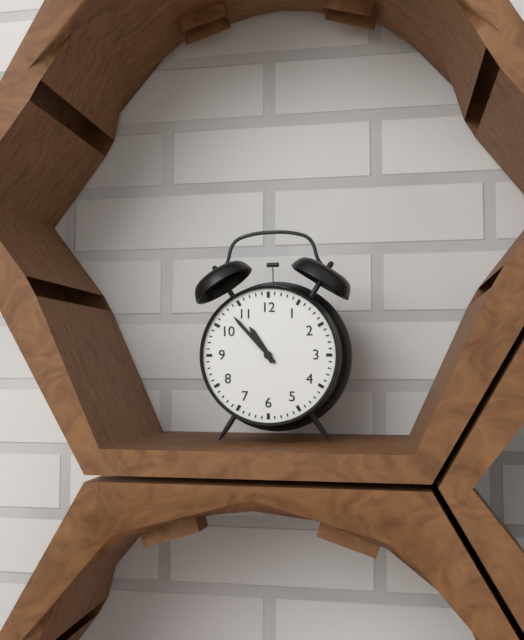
{"hour": 10, "minute": 53}
